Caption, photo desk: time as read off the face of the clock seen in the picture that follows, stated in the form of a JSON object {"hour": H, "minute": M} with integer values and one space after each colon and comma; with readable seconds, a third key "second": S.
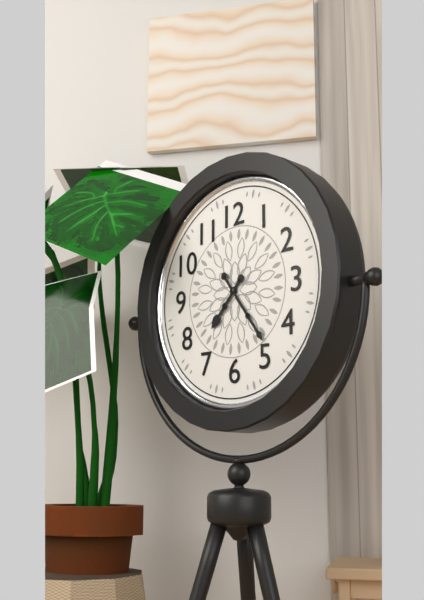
{"hour": 7, "minute": 24}
